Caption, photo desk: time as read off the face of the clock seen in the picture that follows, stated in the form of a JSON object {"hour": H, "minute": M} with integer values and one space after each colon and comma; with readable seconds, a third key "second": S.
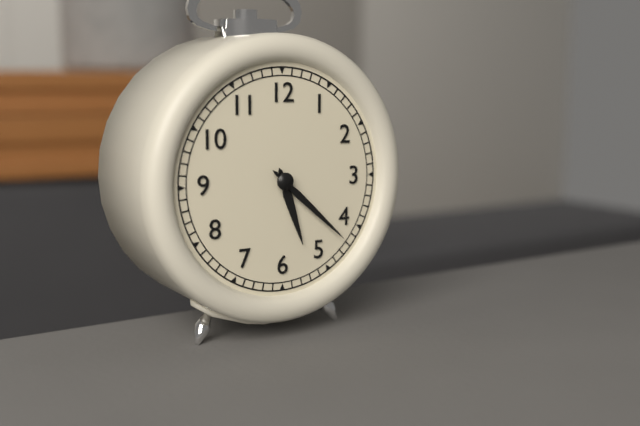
{"hour": 5, "minute": 22}
